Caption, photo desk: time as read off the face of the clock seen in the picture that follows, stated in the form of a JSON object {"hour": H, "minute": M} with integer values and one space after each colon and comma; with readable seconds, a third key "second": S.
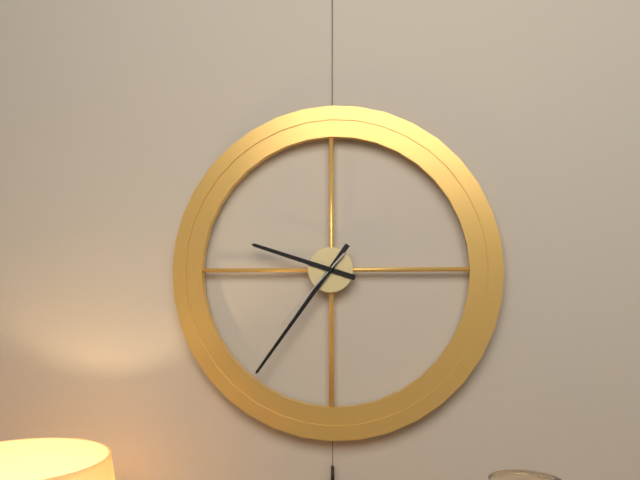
{"hour": 9, "minute": 36, "second": 37}
